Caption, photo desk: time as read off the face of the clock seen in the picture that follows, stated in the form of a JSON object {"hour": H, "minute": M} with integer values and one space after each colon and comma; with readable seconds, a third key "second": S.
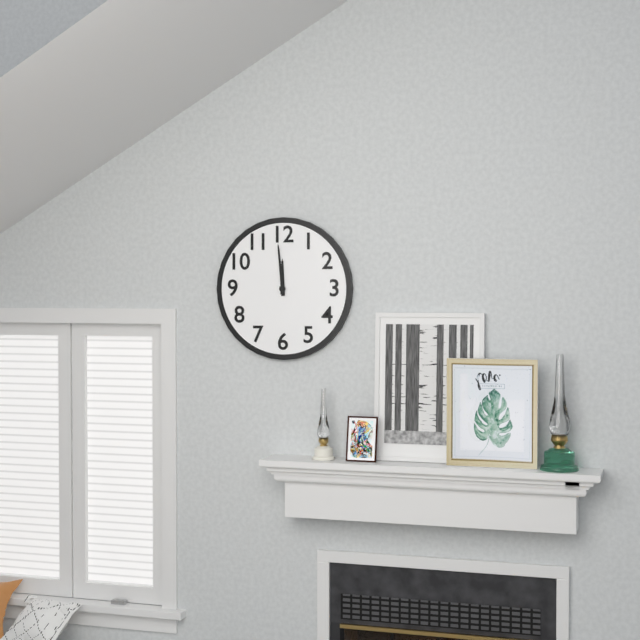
{"hour": 11, "minute": 59}
